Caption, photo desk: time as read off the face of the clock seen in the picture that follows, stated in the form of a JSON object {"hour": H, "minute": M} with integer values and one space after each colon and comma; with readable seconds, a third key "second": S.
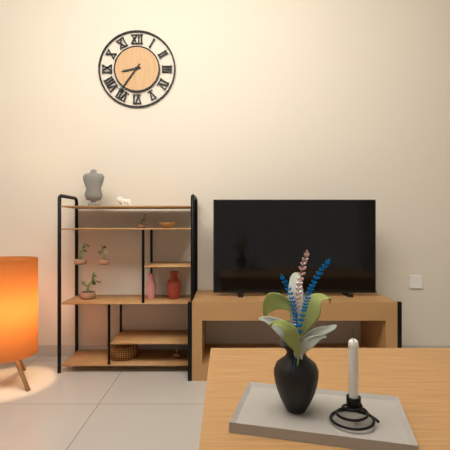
{"hour": 8, "minute": 36}
